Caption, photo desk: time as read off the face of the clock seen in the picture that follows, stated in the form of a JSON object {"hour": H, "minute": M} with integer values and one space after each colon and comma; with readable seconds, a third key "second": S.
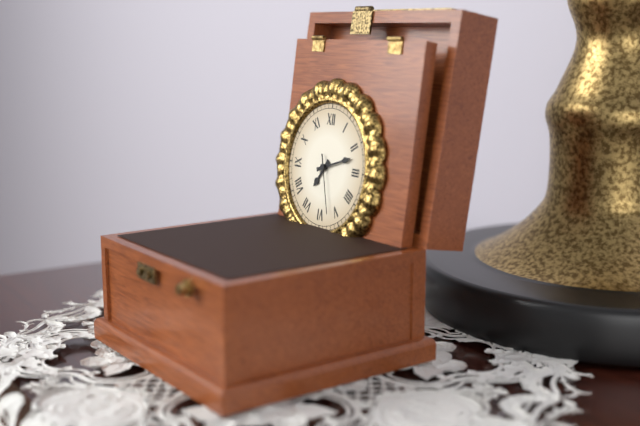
{"hour": 7, "minute": 12, "second": 27}
